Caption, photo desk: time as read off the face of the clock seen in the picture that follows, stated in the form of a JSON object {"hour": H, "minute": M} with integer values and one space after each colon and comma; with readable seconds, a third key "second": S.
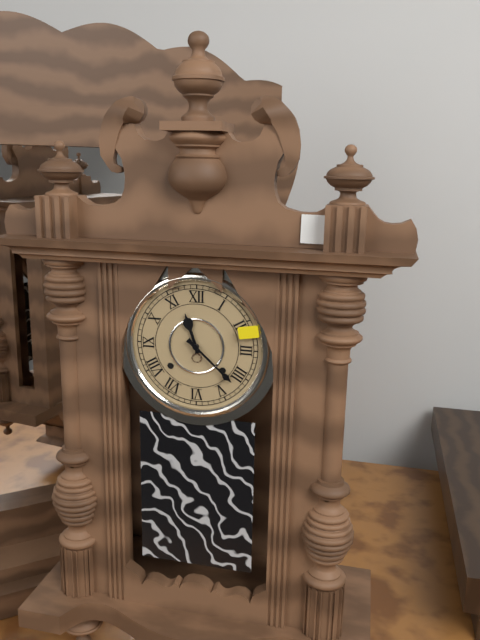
{"hour": 11, "minute": 22}
